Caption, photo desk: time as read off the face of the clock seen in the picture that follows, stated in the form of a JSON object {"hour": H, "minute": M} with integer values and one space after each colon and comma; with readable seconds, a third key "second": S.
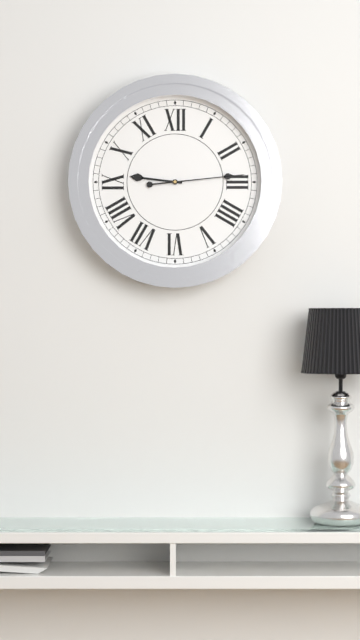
{"hour": 9, "minute": 14}
